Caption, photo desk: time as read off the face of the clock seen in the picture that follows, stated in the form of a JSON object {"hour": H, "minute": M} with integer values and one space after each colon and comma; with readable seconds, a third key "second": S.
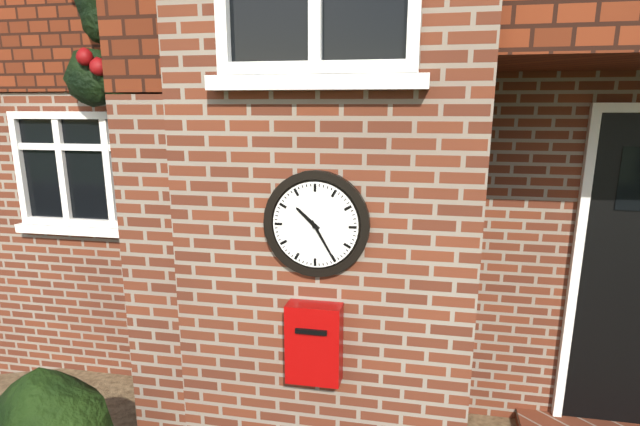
{"hour": 10, "minute": 25}
